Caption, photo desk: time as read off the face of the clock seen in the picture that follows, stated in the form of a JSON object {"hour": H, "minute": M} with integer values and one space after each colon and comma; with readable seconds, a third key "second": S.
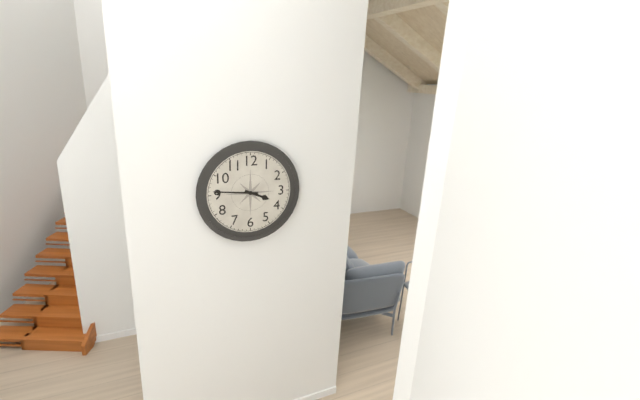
{"hour": 3, "minute": 46}
